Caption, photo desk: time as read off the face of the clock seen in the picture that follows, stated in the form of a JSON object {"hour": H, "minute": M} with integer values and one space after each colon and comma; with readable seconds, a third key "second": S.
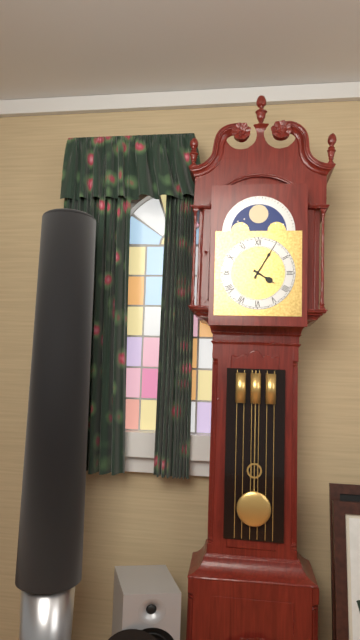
{"hour": 4, "minute": 5}
